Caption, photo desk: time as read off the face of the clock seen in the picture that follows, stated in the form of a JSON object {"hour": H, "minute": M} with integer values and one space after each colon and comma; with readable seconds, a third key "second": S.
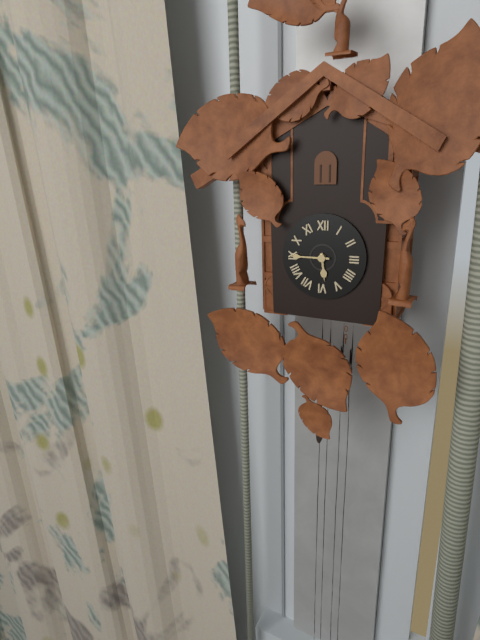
{"hour": 5, "minute": 45}
